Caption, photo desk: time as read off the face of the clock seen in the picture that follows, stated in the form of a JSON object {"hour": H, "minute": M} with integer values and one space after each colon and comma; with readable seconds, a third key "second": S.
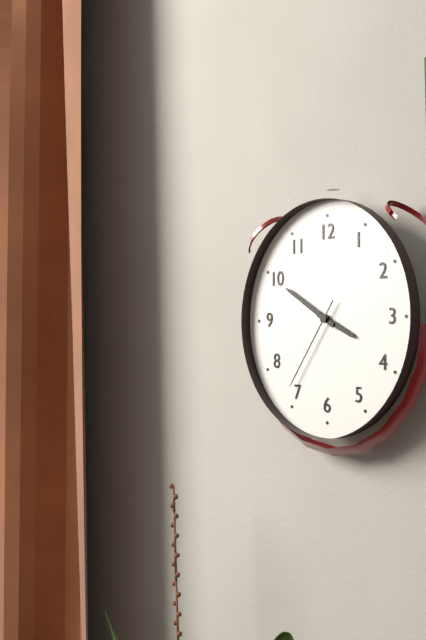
{"hour": 3, "minute": 50, "second": 36}
